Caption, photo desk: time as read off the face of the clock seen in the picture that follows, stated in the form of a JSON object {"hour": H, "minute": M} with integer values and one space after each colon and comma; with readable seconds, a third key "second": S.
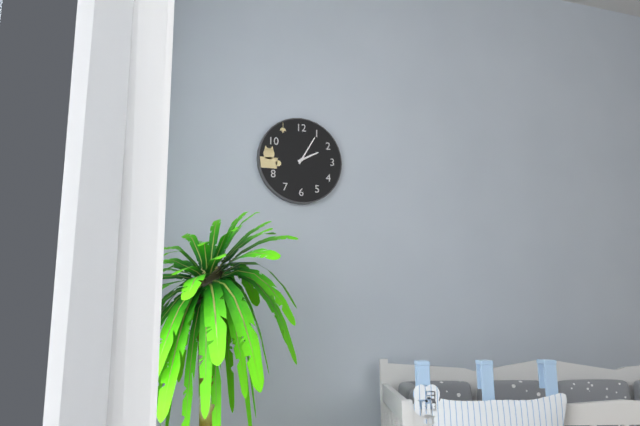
{"hour": 2, "minute": 5}
